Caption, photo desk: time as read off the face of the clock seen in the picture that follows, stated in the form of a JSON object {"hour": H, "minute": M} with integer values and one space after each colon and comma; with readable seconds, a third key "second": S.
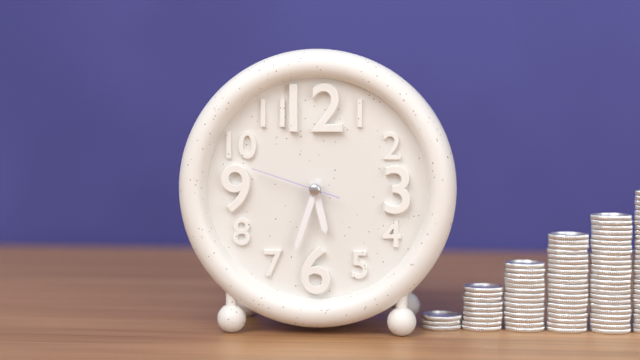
{"hour": 5, "minute": 33, "second": 48}
